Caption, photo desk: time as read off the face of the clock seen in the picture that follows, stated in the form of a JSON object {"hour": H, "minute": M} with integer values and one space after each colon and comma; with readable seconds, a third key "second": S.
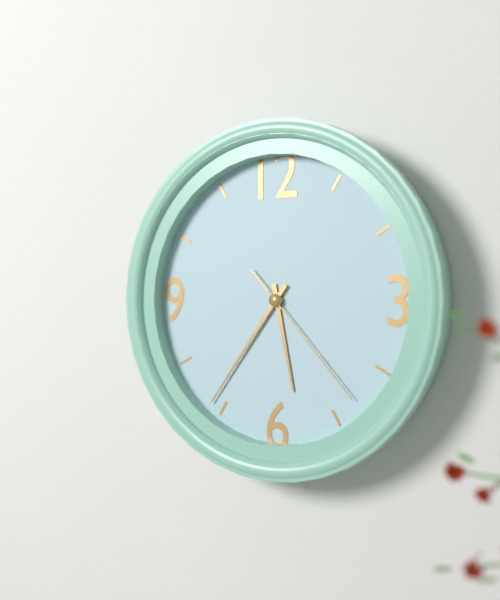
{"hour": 5, "minute": 36, "second": 23}
